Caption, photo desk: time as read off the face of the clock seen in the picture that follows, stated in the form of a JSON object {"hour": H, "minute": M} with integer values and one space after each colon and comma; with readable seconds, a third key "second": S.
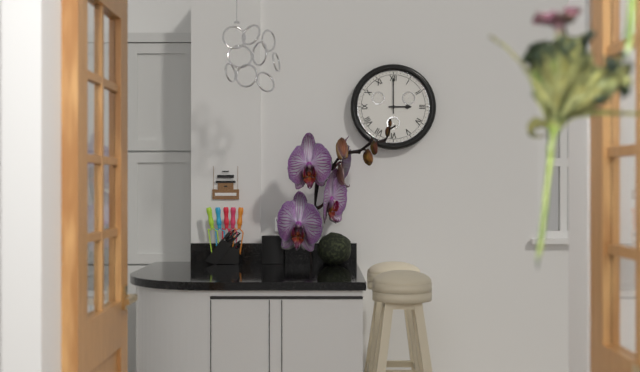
{"hour": 3, "minute": 0}
